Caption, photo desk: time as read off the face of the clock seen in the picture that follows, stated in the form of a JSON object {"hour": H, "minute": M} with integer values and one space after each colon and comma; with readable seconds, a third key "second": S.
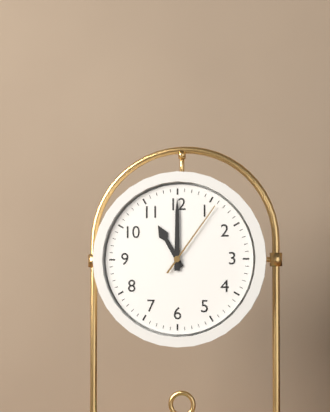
{"hour": 11, "minute": 0, "second": 6}
